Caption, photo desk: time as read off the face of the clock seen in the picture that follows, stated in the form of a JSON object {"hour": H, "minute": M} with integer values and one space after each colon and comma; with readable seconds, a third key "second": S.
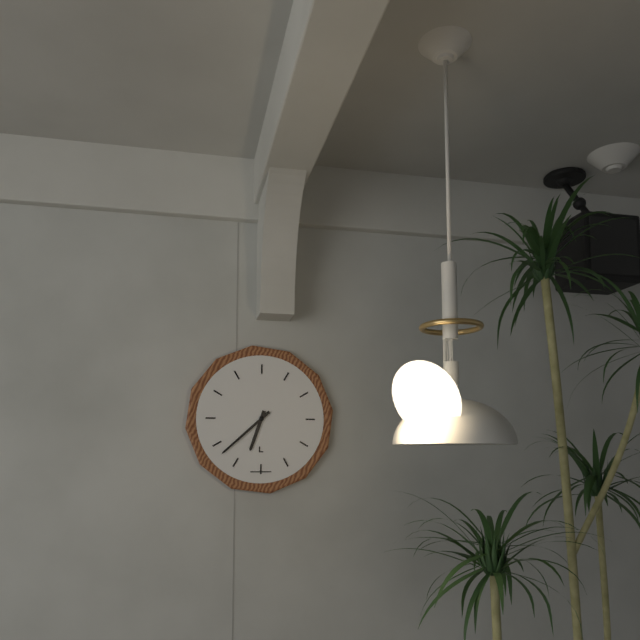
{"hour": 6, "minute": 38}
